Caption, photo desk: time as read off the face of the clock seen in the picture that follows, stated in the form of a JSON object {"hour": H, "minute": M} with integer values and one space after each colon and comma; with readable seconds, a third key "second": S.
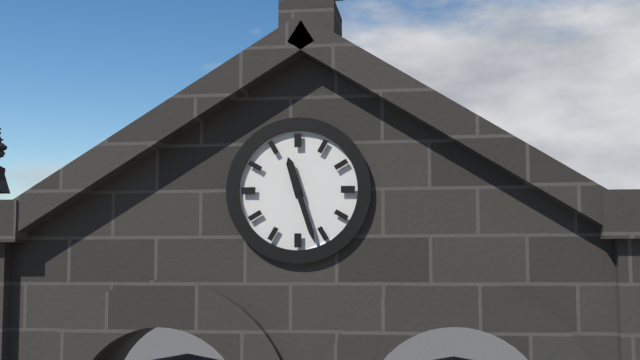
{"hour": 11, "minute": 27}
